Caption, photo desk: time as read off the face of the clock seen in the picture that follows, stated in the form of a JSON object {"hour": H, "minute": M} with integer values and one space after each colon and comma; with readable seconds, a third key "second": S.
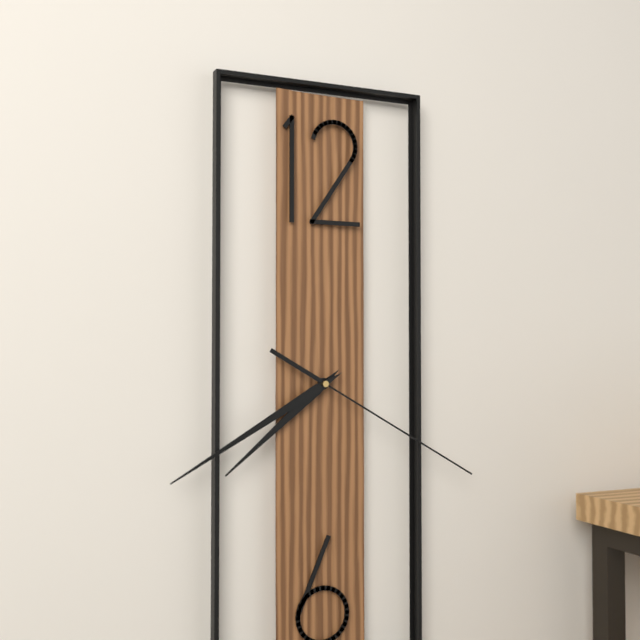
{"hour": 7, "minute": 40, "second": 20}
